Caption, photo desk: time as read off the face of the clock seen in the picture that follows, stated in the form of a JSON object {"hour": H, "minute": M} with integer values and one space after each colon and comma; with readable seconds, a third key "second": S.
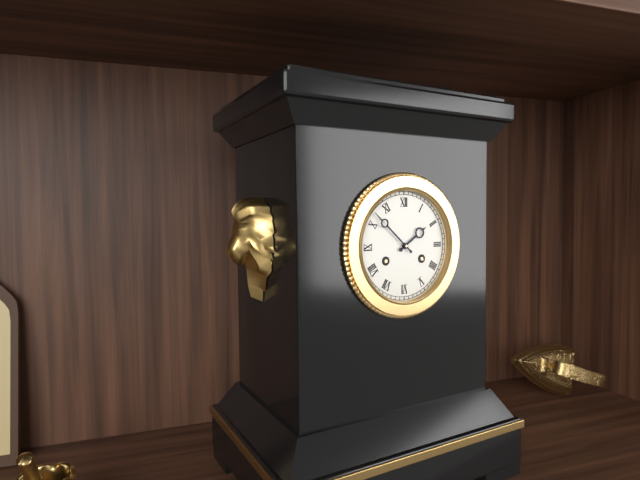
{"hour": 1, "minute": 52}
